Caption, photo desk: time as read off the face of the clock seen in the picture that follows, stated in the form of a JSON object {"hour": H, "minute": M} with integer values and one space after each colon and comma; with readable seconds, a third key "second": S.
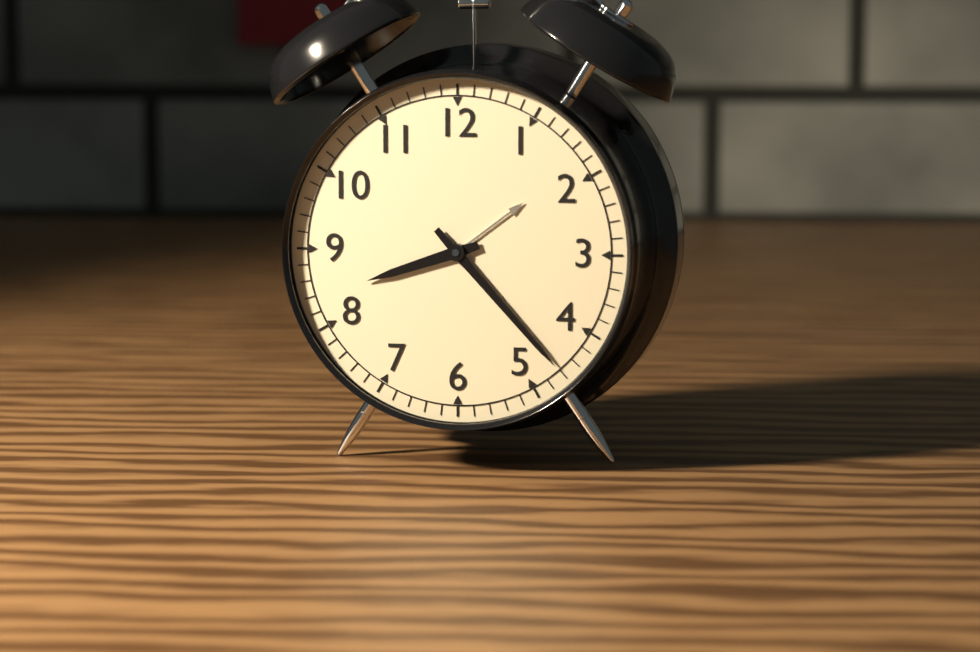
{"hour": 8, "minute": 23}
